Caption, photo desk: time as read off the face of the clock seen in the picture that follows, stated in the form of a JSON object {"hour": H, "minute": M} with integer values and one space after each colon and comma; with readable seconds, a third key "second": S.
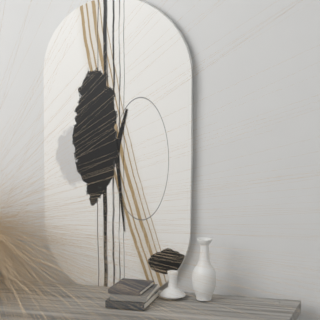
{"hour": 12, "minute": 29}
